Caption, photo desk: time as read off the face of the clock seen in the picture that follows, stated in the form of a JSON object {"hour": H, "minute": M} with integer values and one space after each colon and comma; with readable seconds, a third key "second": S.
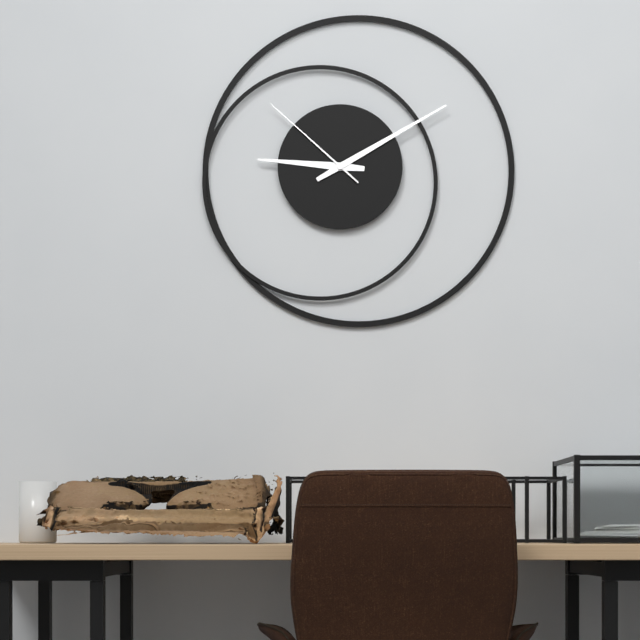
{"hour": 9, "minute": 10, "second": 52}
